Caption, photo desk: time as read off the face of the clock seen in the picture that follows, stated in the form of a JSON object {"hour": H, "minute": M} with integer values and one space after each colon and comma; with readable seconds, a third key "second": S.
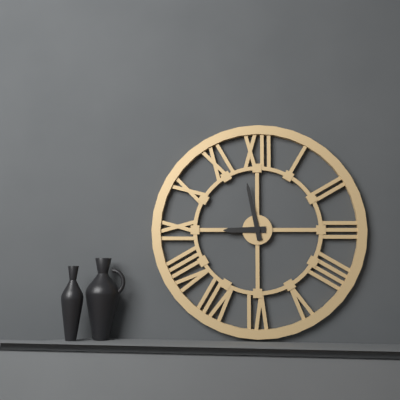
{"hour": 8, "minute": 58}
